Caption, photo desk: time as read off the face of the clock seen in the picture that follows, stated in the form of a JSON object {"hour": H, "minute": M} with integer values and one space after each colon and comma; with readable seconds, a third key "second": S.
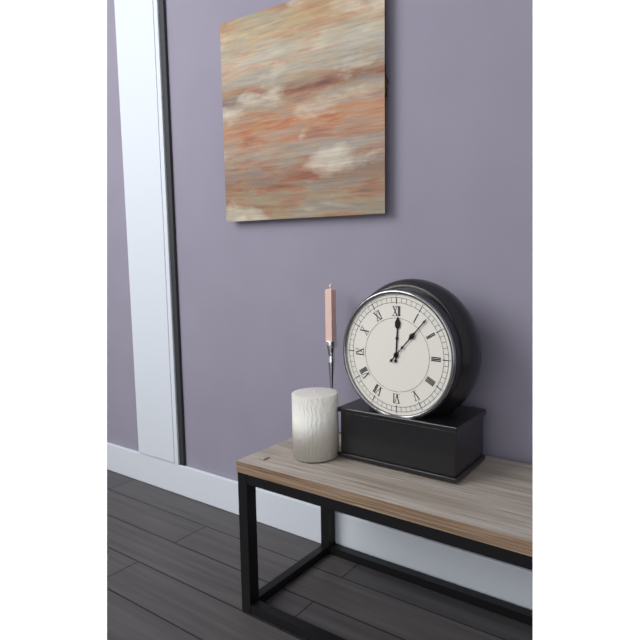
{"hour": 12, "minute": 7}
